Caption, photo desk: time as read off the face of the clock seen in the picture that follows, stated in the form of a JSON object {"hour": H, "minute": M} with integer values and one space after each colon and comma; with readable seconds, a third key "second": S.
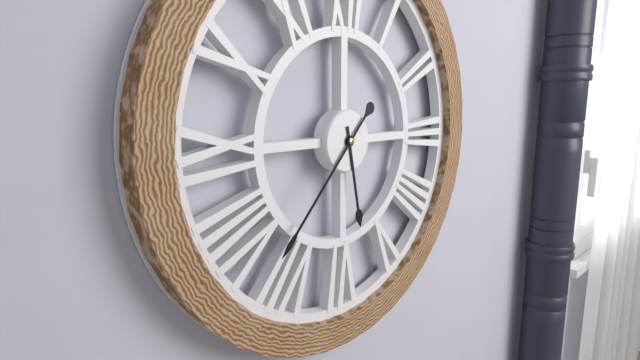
{"hour": 5, "minute": 37}
